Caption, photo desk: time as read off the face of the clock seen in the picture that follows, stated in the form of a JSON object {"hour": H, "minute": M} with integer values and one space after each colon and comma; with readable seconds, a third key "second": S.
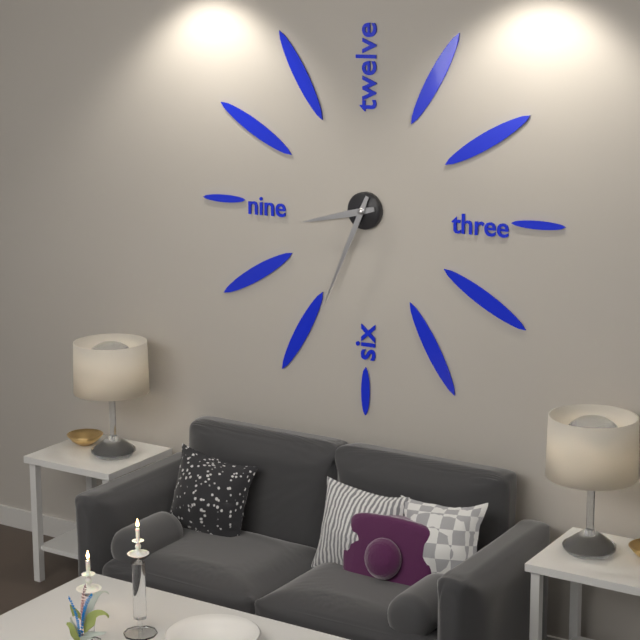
{"hour": 8, "minute": 34}
